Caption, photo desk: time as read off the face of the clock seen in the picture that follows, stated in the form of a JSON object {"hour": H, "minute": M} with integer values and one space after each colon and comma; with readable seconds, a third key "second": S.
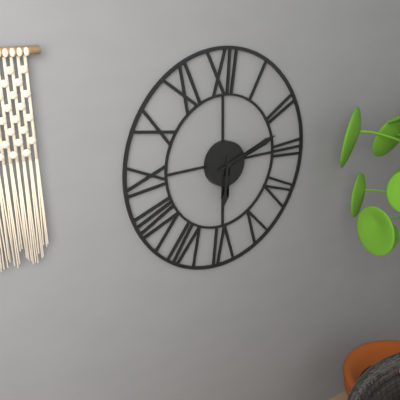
{"hour": 6, "minute": 12}
